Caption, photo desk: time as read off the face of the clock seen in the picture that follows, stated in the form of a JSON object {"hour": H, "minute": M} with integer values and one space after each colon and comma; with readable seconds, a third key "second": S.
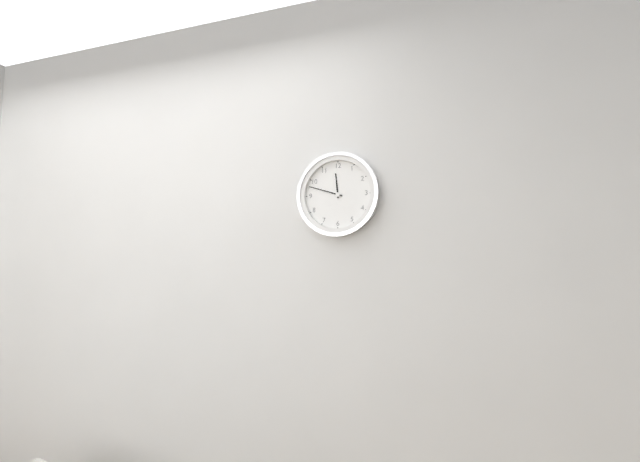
{"hour": 11, "minute": 48}
